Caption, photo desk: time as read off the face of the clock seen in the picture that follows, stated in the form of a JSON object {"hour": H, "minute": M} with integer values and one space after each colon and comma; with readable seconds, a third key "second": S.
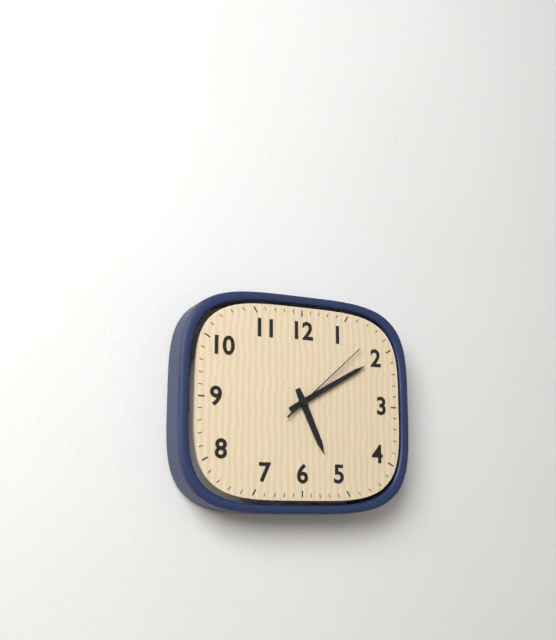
{"hour": 5, "minute": 10, "second": 8}
